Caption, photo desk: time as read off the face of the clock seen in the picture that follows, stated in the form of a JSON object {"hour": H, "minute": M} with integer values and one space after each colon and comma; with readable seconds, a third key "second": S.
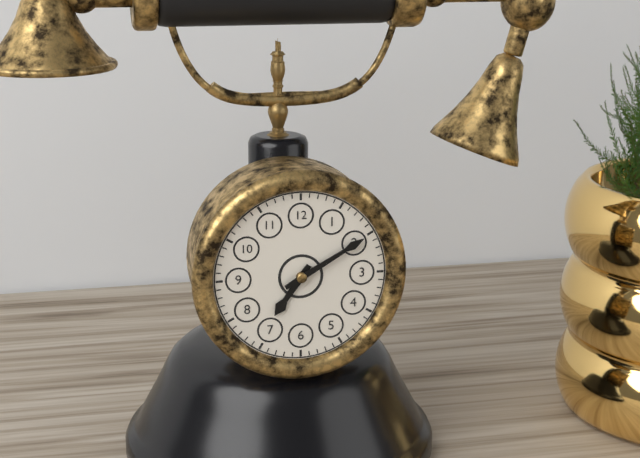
{"hour": 7, "minute": 10}
